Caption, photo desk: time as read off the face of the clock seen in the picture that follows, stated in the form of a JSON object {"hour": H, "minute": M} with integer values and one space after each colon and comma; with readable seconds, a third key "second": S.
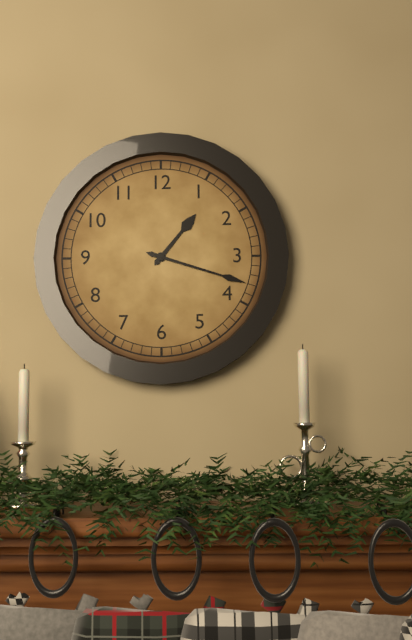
{"hour": 1, "minute": 18}
